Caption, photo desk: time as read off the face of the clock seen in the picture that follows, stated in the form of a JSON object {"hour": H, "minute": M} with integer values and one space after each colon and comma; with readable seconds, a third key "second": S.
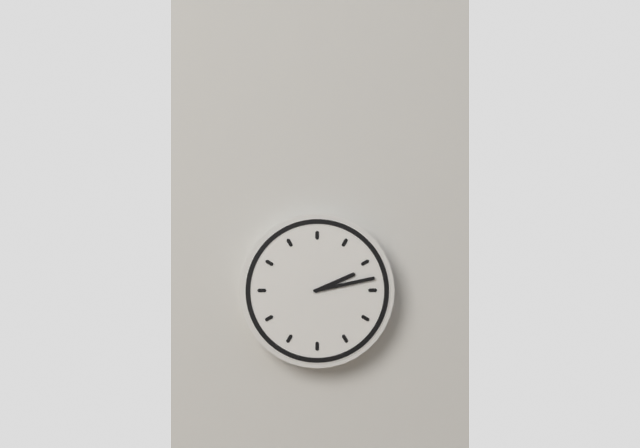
{"hour": 2, "minute": 13}
